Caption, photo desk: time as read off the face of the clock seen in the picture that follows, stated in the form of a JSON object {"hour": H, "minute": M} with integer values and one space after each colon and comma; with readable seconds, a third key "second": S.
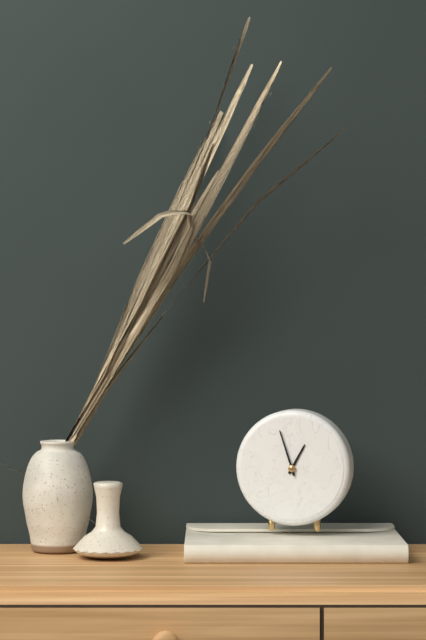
{"hour": 12, "minute": 57}
